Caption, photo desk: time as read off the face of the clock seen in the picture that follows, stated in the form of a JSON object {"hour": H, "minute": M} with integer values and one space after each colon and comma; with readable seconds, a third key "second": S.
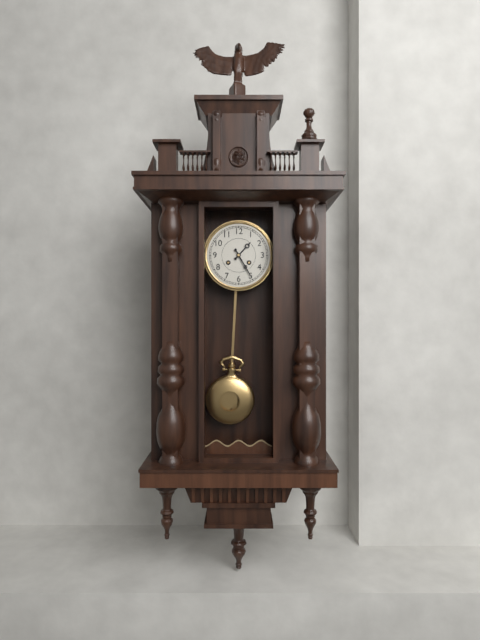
{"hour": 1, "minute": 25}
